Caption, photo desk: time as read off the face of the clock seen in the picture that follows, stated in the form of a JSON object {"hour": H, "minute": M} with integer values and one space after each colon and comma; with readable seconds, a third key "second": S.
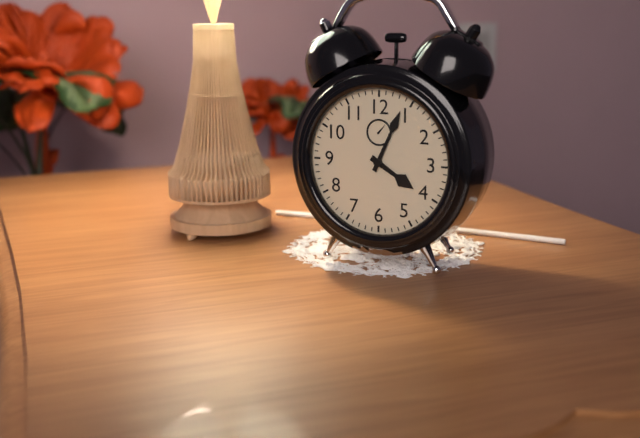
{"hour": 4, "minute": 4}
